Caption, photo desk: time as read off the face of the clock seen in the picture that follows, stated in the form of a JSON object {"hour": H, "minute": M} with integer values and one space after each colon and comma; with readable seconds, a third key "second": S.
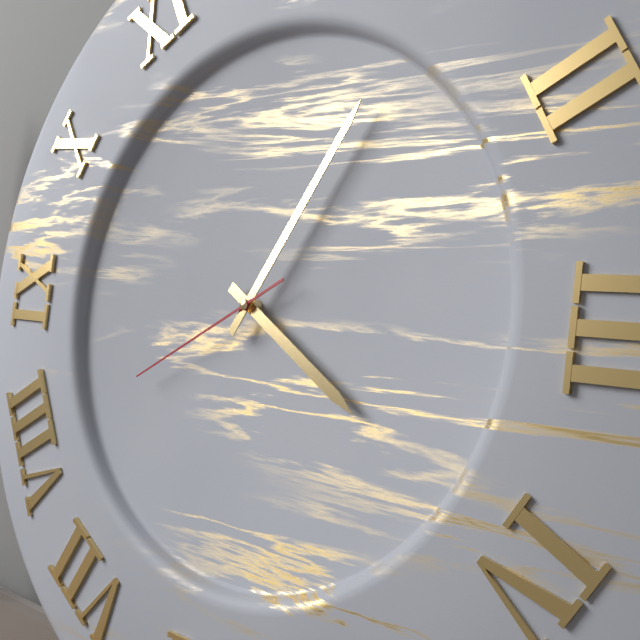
{"hour": 4, "minute": 5, "second": 40}
